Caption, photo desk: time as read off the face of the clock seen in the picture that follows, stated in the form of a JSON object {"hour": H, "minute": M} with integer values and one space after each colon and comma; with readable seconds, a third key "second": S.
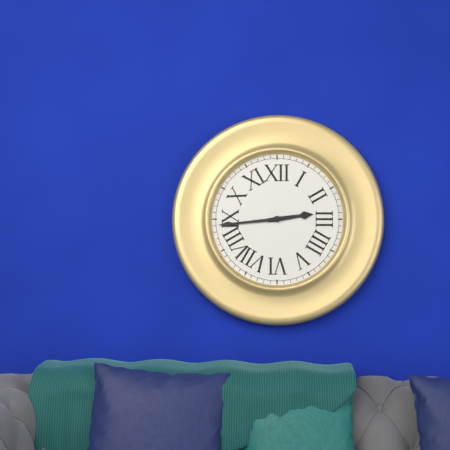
{"hour": 2, "minute": 44}
